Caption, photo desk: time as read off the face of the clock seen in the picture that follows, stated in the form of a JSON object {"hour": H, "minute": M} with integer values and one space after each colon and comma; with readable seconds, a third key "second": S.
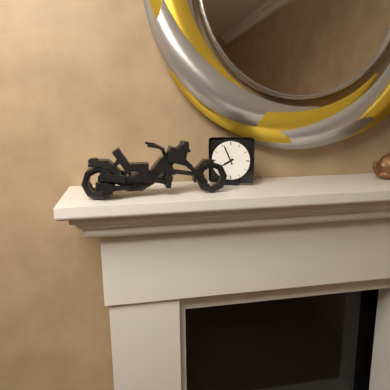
{"hour": 7, "minute": 56}
